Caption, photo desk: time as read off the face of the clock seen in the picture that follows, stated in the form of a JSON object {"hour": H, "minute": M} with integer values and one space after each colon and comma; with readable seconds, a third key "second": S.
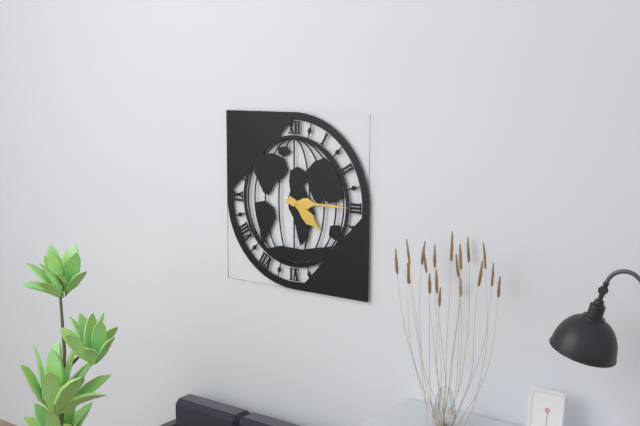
{"hour": 4, "minute": 15}
